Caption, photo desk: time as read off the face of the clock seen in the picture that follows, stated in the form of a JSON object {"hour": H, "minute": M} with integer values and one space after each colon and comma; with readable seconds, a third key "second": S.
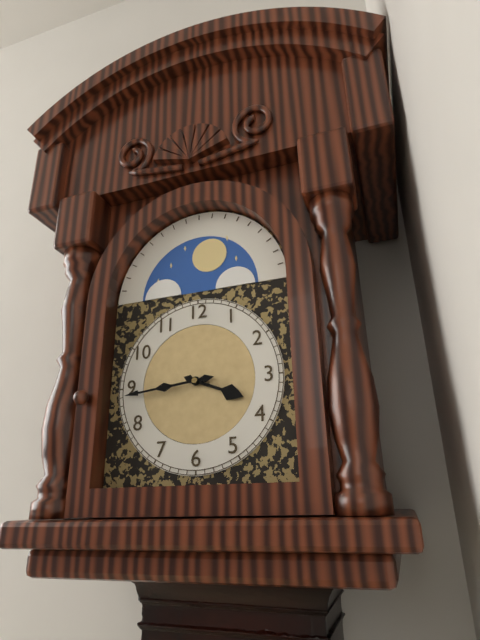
{"hour": 3, "minute": 44}
